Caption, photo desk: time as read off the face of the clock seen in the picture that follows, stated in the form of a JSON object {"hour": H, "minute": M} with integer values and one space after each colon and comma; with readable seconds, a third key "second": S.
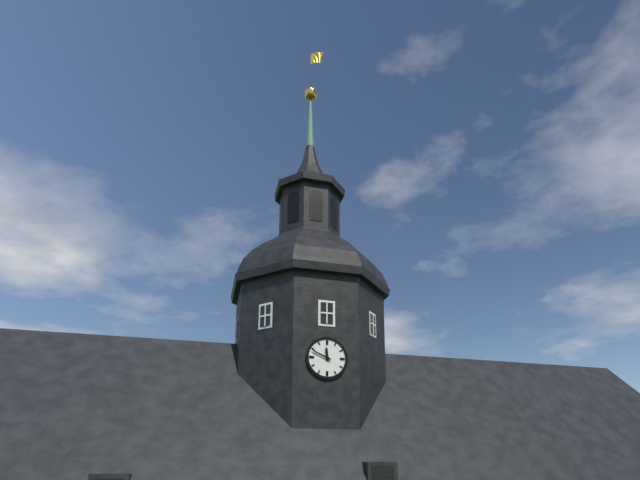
{"hour": 11, "minute": 49}
